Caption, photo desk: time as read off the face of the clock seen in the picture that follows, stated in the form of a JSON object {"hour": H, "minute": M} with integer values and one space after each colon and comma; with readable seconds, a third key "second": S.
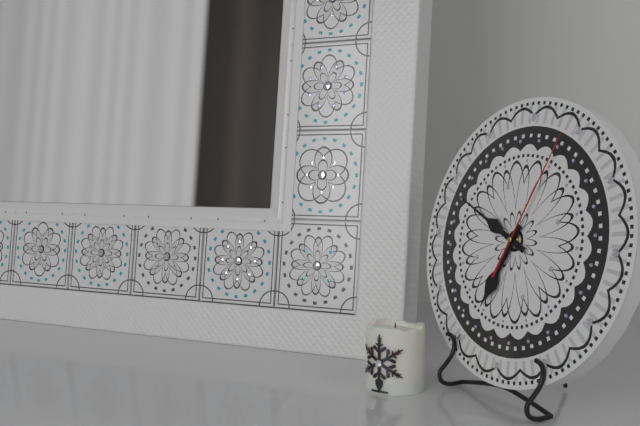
{"hour": 6, "minute": 49, "second": 4}
